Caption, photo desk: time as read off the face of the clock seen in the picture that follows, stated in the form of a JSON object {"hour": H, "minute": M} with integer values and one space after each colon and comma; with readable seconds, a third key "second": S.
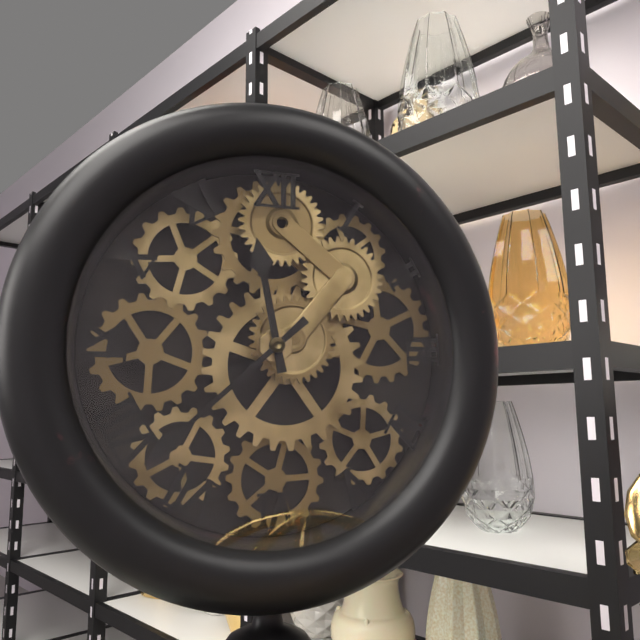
{"hour": 11, "minute": 38}
